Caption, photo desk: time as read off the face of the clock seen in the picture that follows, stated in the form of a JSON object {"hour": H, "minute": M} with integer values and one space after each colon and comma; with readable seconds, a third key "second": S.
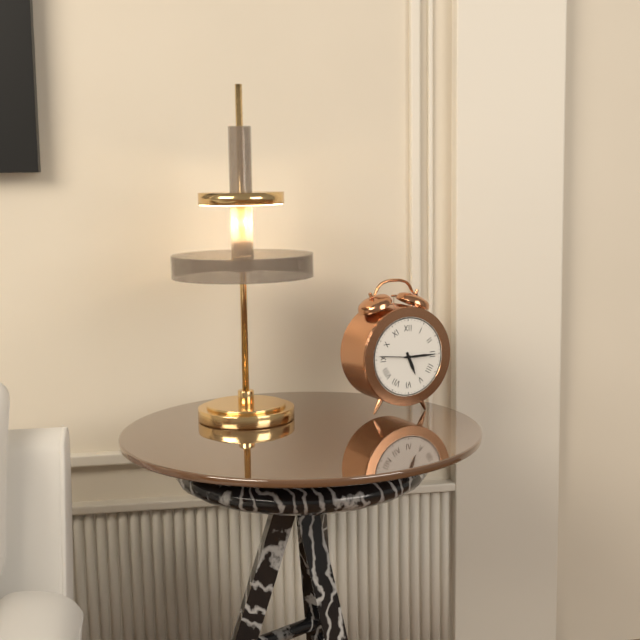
{"hour": 5, "minute": 15}
